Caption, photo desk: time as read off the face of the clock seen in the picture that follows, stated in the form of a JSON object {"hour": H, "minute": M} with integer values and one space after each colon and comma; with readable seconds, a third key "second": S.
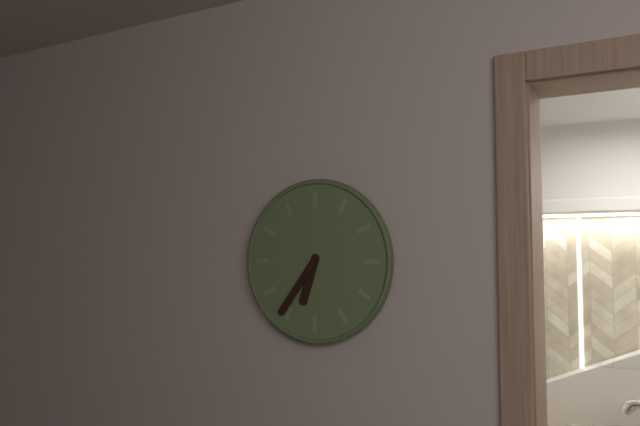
{"hour": 6, "minute": 36}
